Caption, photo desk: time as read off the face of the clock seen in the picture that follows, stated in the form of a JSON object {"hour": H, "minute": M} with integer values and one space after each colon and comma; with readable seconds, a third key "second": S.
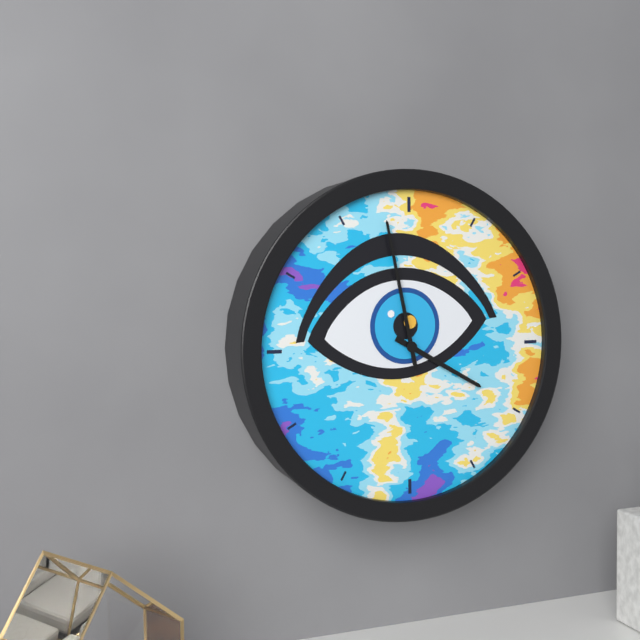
{"hour": 3, "minute": 58}
